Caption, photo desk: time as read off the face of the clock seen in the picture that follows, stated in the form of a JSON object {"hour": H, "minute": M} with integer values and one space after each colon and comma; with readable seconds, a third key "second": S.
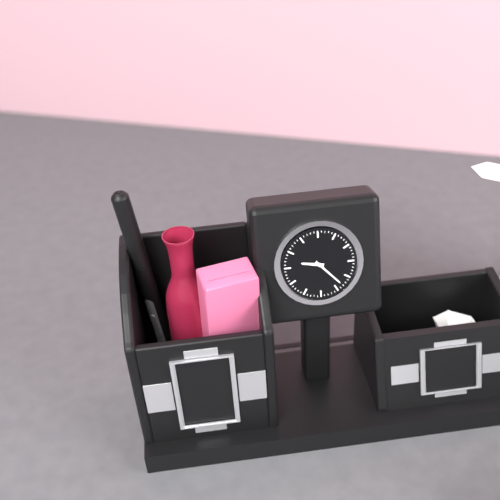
{"hour": 9, "minute": 23}
